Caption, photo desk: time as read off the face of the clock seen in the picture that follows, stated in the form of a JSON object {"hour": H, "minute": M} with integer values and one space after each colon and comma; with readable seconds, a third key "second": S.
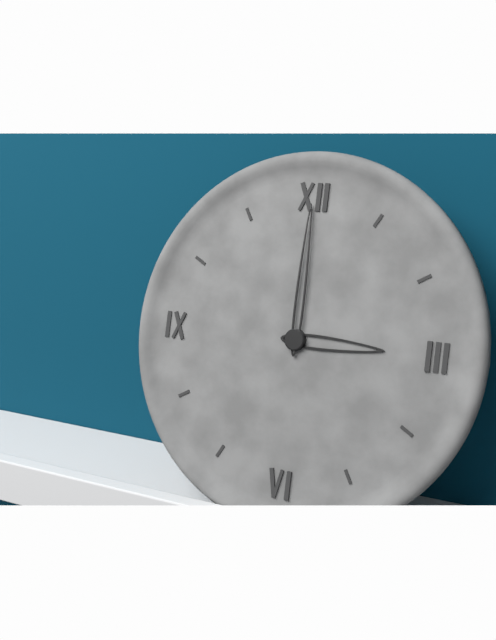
{"hour": 3, "minute": 0}
